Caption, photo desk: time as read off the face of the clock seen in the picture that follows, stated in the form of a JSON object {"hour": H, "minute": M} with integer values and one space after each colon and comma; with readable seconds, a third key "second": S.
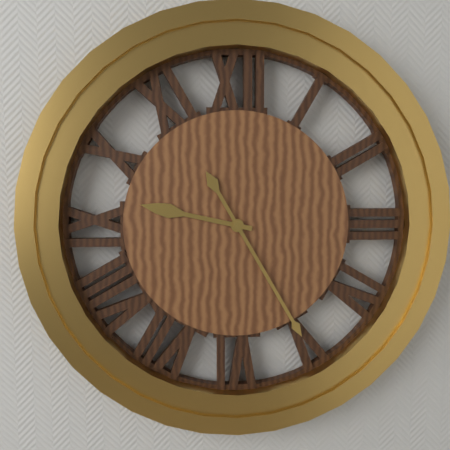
{"hour": 9, "minute": 25}
